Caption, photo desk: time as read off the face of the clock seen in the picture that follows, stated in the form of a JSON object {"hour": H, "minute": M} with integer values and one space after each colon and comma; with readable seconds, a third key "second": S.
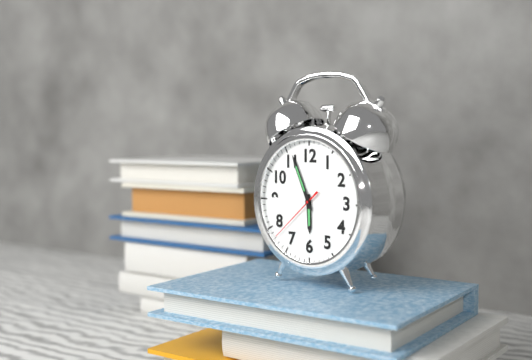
{"hour": 5, "minute": 56, "second": 38}
